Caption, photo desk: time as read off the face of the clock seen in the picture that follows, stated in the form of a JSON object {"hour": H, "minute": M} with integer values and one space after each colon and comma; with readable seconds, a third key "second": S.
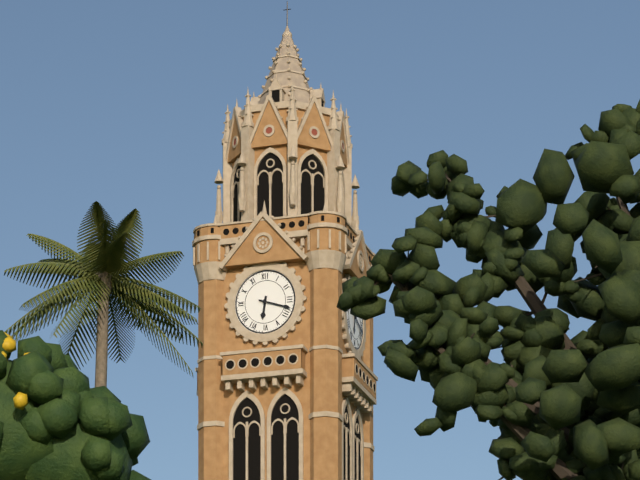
{"hour": 6, "minute": 18}
